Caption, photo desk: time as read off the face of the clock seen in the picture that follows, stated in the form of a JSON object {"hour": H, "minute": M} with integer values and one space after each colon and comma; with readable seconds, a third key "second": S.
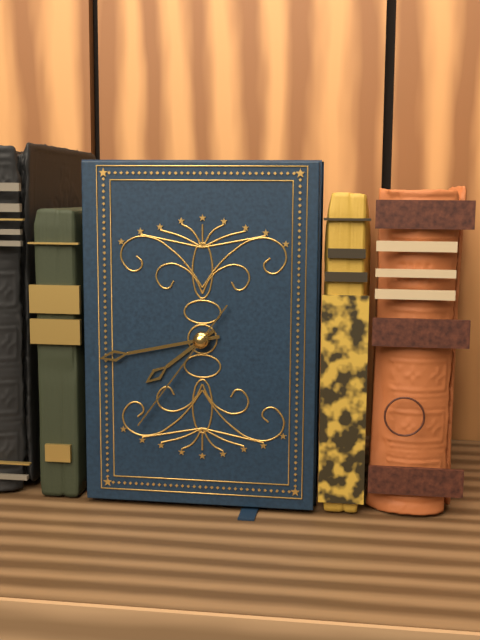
{"hour": 7, "minute": 43, "second": 36}
